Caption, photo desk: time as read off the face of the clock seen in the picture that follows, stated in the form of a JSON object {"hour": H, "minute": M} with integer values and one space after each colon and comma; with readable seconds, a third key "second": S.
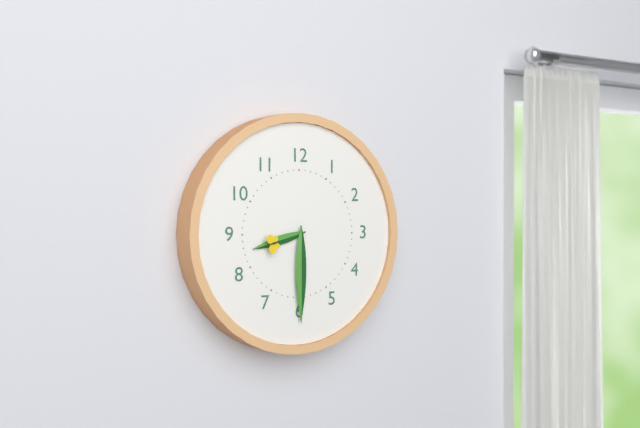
{"hour": 8, "minute": 30}
